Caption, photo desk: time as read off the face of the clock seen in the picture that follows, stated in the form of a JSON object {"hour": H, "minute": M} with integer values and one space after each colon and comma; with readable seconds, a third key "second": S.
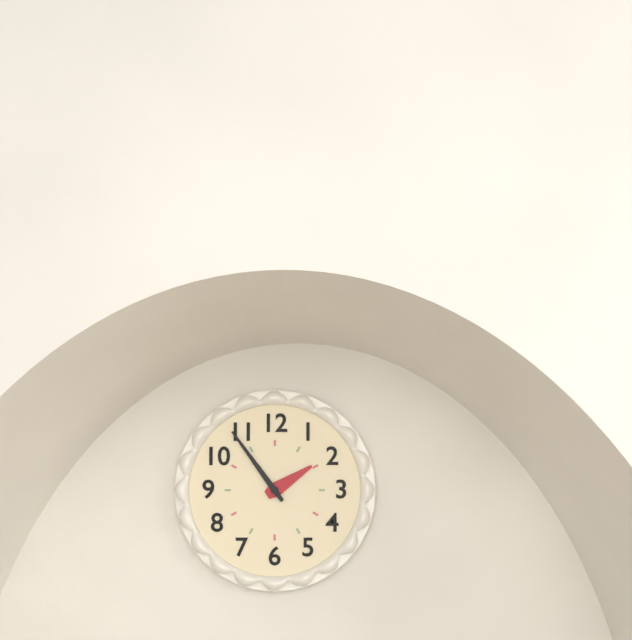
{"hour": 1, "minute": 54}
